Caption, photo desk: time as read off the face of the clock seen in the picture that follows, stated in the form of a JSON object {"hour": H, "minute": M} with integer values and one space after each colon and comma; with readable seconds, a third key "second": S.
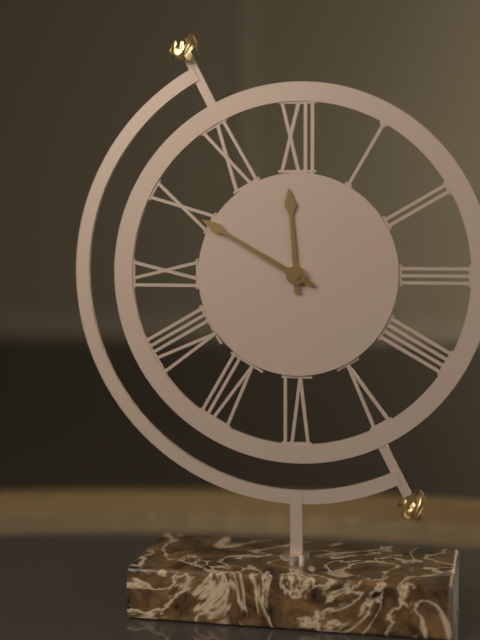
{"hour": 11, "minute": 50}
